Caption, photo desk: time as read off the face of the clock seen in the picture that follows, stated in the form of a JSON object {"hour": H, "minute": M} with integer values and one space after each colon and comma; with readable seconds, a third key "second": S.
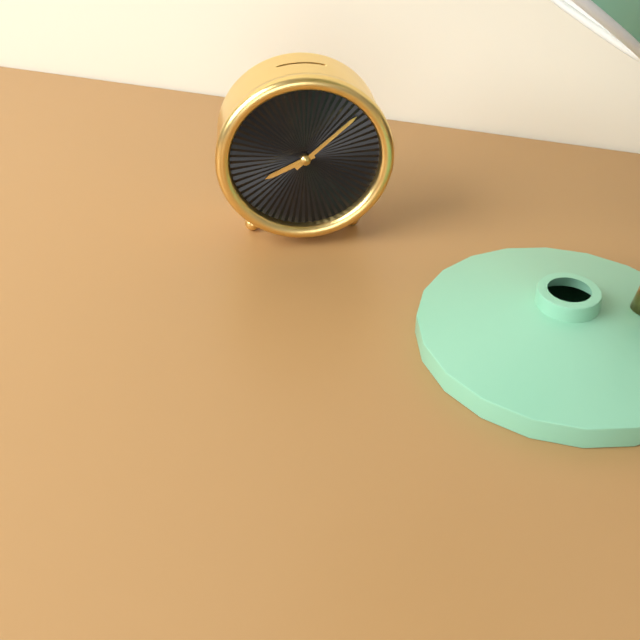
{"hour": 8, "minute": 8}
